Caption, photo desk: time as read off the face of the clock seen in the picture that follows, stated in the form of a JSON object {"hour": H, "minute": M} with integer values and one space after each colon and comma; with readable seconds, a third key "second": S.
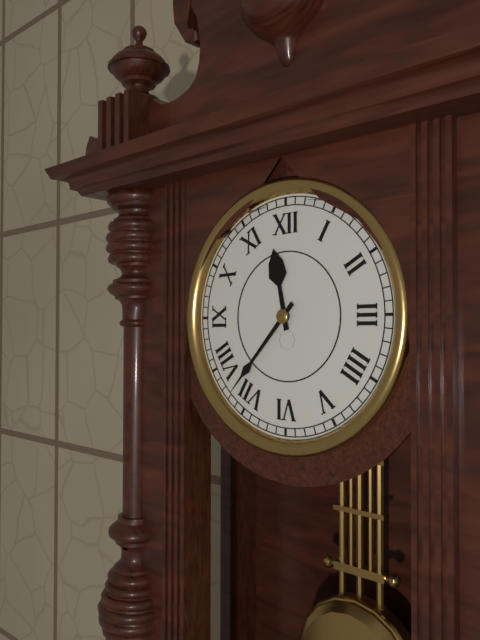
{"hour": 11, "minute": 37}
